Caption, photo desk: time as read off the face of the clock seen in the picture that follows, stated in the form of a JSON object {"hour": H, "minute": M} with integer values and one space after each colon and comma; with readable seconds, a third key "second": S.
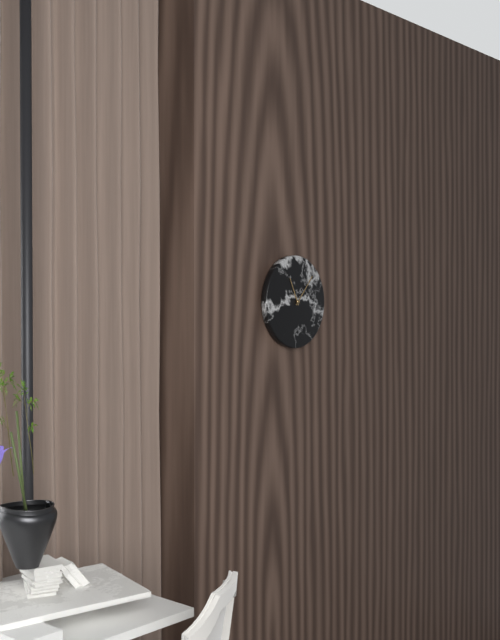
{"hour": 11, "minute": 7}
